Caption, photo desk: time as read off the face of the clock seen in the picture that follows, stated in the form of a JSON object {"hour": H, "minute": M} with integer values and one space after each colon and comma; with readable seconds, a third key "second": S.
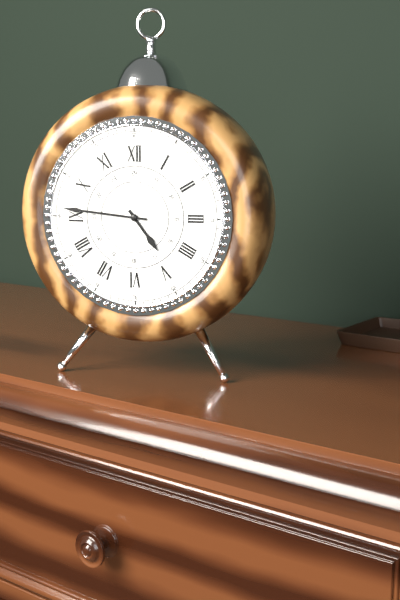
{"hour": 4, "minute": 46}
